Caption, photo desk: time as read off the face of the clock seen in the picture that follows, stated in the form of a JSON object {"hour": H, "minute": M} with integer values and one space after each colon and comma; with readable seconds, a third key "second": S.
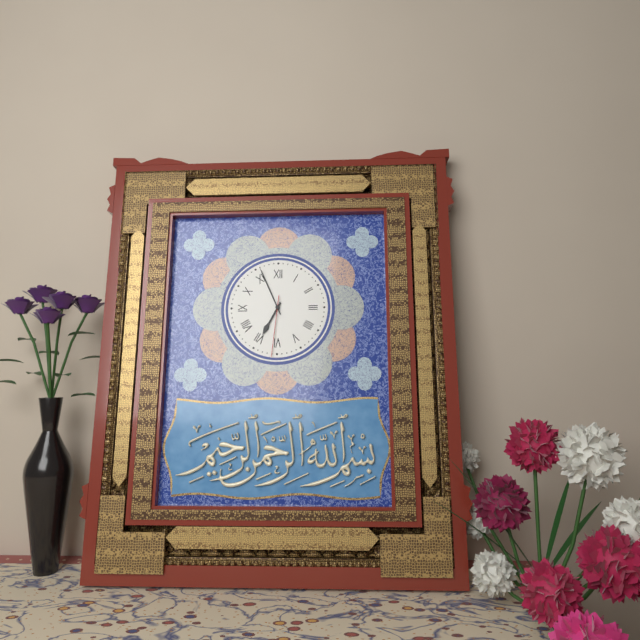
{"hour": 6, "minute": 56, "second": 31}
